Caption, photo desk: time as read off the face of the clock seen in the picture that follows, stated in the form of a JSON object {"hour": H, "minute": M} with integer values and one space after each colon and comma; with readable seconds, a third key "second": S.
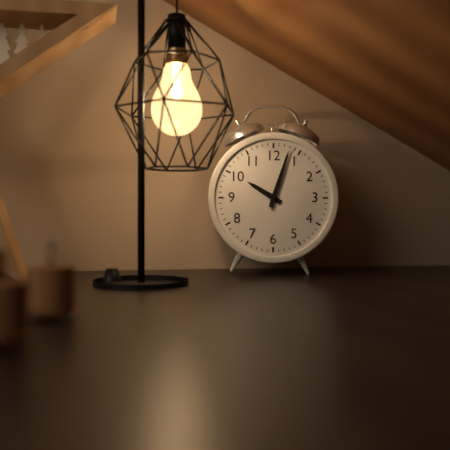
{"hour": 10, "minute": 3}
